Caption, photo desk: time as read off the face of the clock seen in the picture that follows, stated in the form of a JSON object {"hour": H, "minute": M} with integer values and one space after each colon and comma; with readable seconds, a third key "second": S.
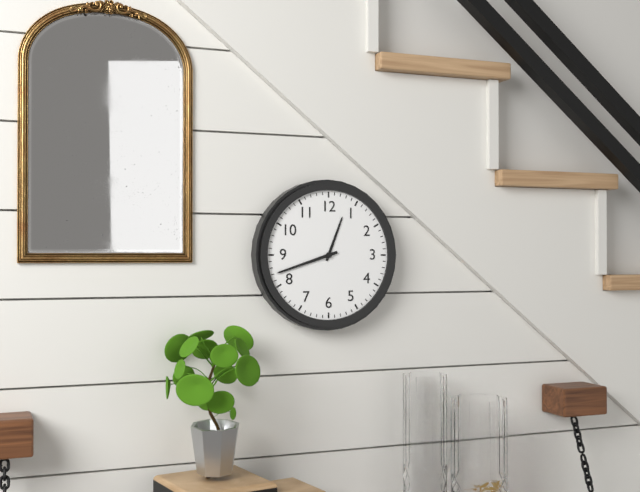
{"hour": 12, "minute": 42}
